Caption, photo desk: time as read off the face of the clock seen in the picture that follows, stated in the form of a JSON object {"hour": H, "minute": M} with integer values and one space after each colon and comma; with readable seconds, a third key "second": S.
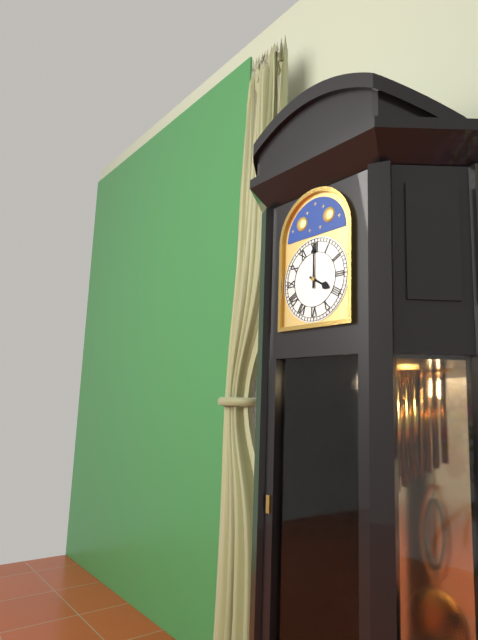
{"hour": 4, "minute": 0}
